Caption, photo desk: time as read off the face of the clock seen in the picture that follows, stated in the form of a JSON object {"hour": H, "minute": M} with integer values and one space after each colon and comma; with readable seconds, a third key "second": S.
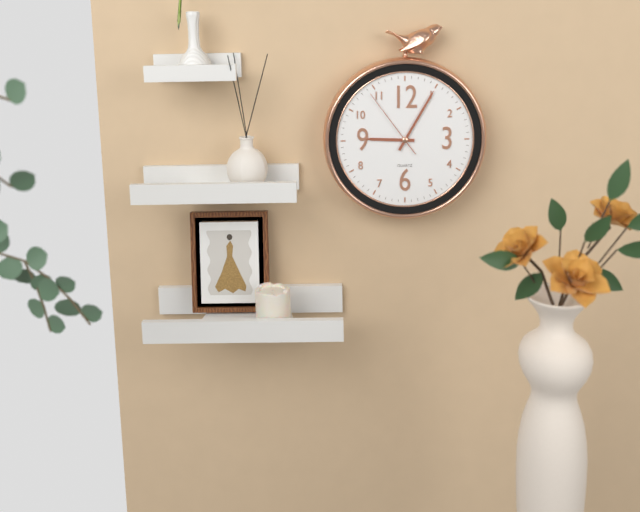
{"hour": 9, "minute": 5, "second": 54}
